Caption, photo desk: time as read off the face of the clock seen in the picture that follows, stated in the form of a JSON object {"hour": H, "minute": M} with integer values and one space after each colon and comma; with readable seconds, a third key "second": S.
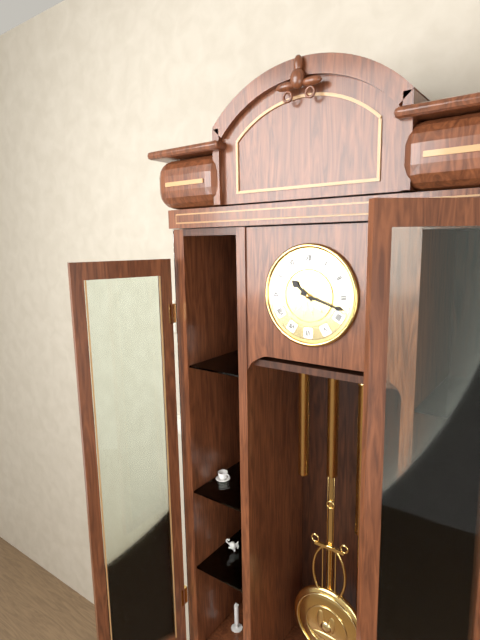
{"hour": 10, "minute": 18}
